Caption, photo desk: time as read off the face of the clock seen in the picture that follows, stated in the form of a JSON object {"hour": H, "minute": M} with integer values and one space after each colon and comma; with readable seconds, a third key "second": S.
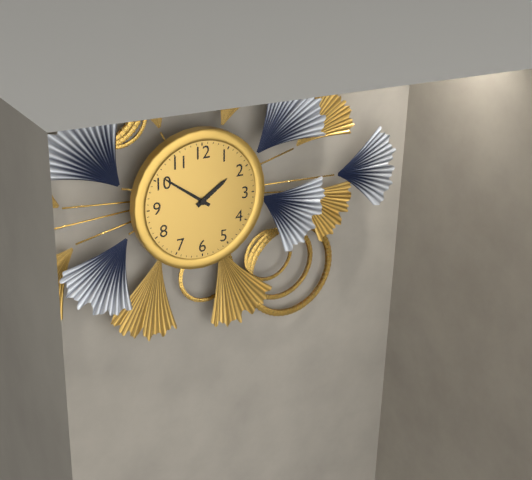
{"hour": 1, "minute": 51}
